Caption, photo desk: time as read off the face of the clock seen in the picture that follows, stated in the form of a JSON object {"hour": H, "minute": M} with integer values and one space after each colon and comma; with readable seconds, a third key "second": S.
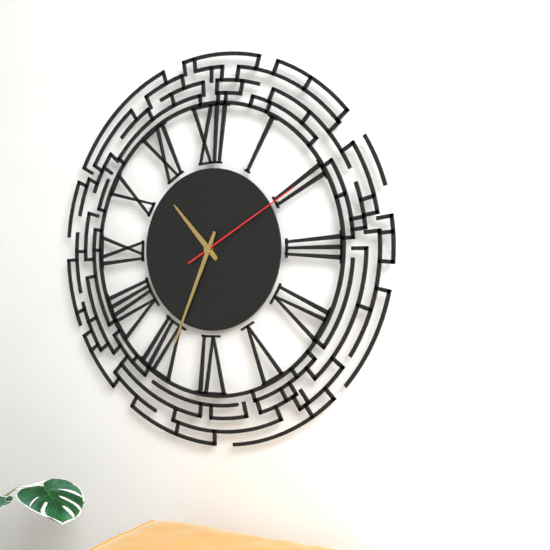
{"hour": 10, "minute": 34, "second": 10}
